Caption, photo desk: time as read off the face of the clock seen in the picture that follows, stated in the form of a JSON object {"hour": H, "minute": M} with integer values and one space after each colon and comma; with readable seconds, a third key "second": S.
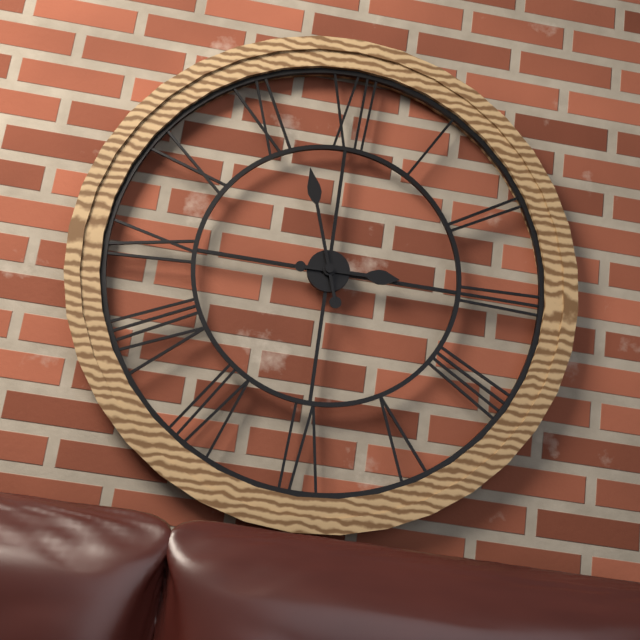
{"hour": 2, "minute": 57}
